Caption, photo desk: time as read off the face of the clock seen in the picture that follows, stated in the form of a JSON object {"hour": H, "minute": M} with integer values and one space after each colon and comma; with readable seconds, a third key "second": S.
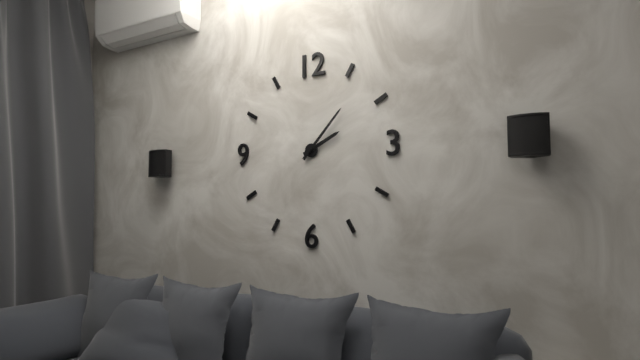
{"hour": 2, "minute": 7}
